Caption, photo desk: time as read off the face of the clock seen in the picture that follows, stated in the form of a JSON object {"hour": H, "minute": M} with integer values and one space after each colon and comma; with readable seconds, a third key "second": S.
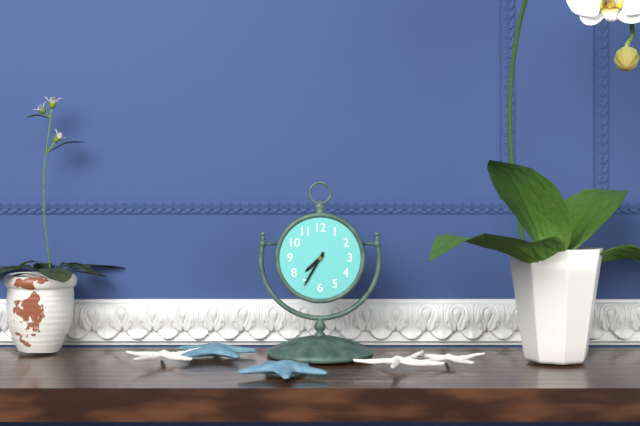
{"hour": 7, "minute": 35}
